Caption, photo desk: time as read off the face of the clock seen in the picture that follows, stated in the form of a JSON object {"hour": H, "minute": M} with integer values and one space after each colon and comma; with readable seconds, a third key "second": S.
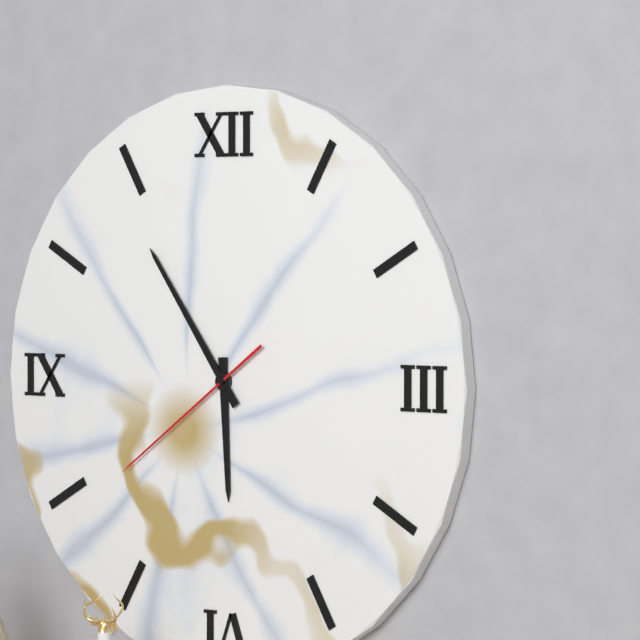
{"hour": 5, "minute": 54, "second": 39}
